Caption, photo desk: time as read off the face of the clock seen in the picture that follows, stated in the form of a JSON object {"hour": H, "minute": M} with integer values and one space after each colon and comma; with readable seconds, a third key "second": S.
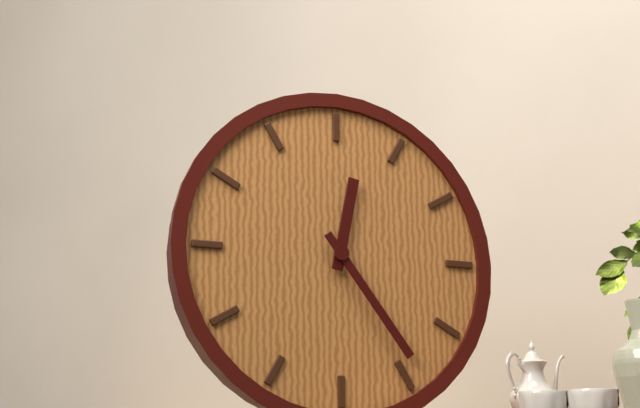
{"hour": 12, "minute": 24}
